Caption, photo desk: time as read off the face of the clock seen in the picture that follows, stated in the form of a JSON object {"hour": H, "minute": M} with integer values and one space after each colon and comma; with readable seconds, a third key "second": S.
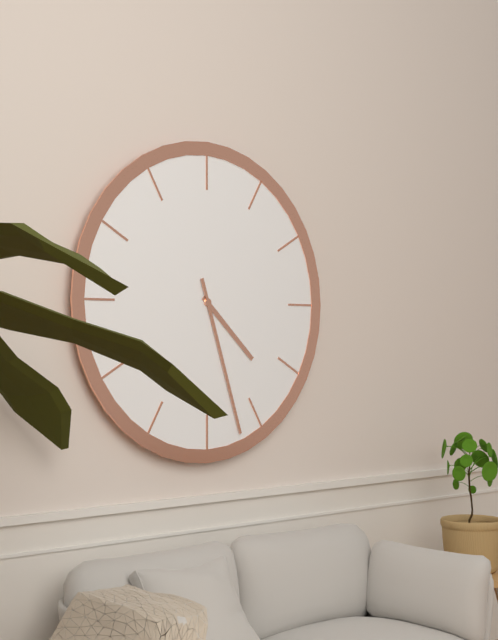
{"hour": 4, "minute": 27}
